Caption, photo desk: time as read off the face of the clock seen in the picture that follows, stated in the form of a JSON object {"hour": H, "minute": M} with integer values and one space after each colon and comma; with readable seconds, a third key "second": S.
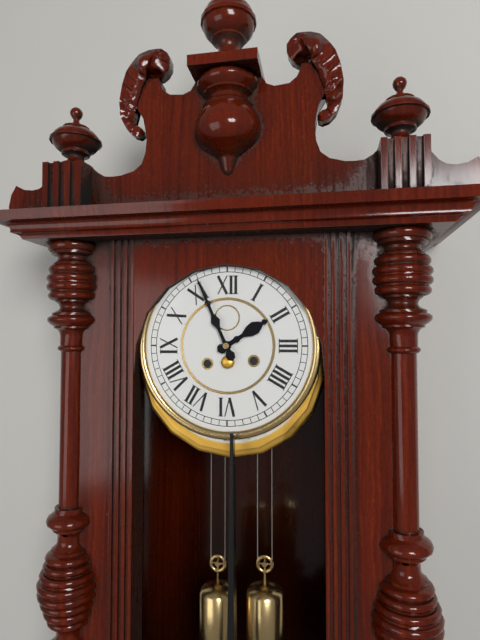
{"hour": 1, "minute": 56}
